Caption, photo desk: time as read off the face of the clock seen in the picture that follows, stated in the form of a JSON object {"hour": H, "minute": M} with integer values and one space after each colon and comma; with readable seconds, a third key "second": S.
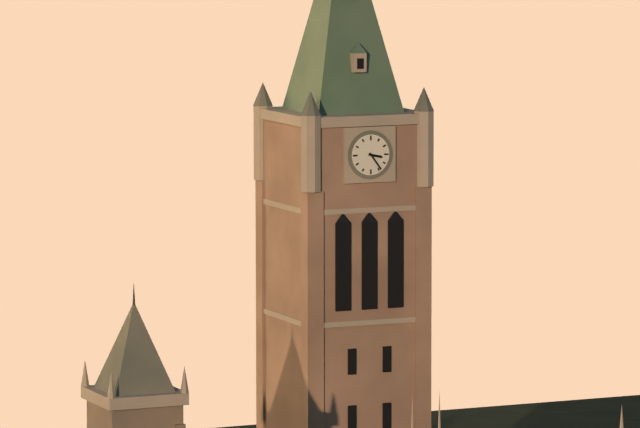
{"hour": 3, "minute": 24}
